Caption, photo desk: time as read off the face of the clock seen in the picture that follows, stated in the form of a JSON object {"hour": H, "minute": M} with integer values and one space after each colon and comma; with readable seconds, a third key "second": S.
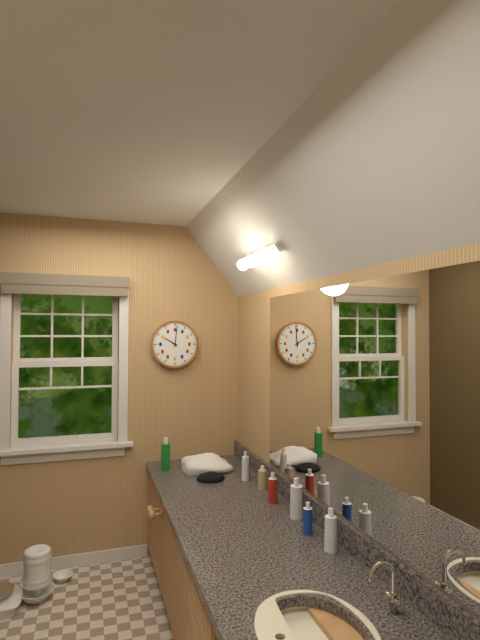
{"hour": 10, "minute": 1}
